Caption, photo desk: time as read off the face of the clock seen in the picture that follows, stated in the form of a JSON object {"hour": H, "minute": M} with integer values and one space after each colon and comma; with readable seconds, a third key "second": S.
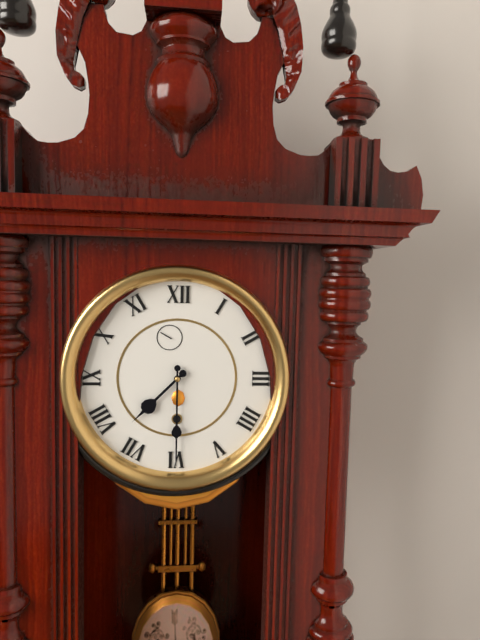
{"hour": 7, "minute": 30}
